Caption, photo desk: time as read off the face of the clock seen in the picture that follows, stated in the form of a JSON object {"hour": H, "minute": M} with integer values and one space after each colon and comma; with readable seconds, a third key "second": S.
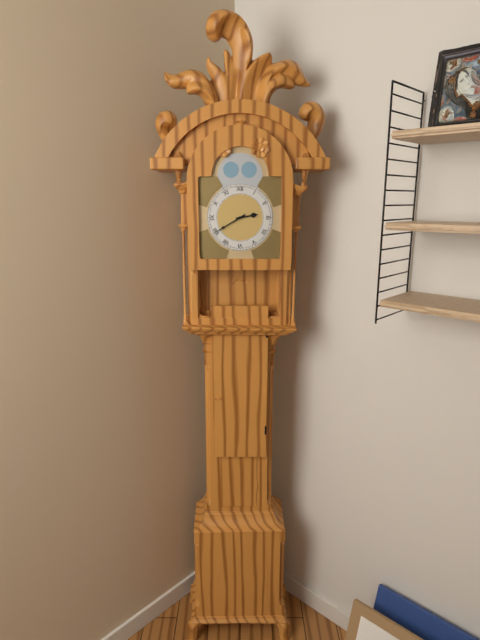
{"hour": 2, "minute": 40}
